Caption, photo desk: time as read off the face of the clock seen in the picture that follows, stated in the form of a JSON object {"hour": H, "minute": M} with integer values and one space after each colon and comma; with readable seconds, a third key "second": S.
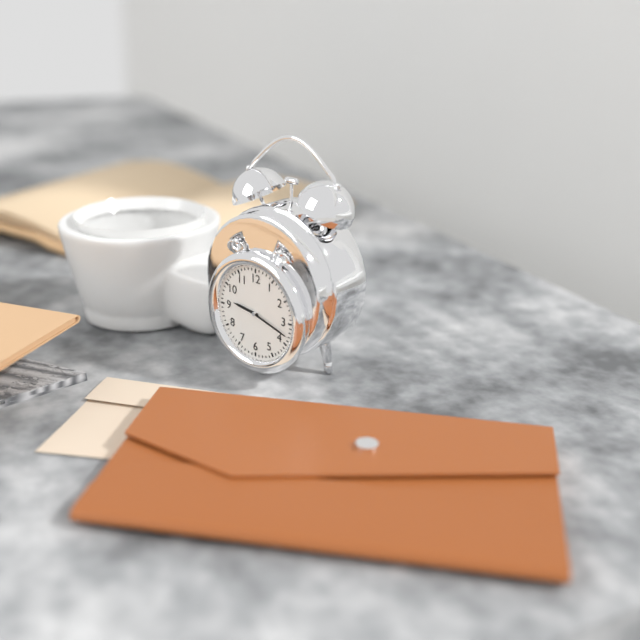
{"hour": 9, "minute": 18}
